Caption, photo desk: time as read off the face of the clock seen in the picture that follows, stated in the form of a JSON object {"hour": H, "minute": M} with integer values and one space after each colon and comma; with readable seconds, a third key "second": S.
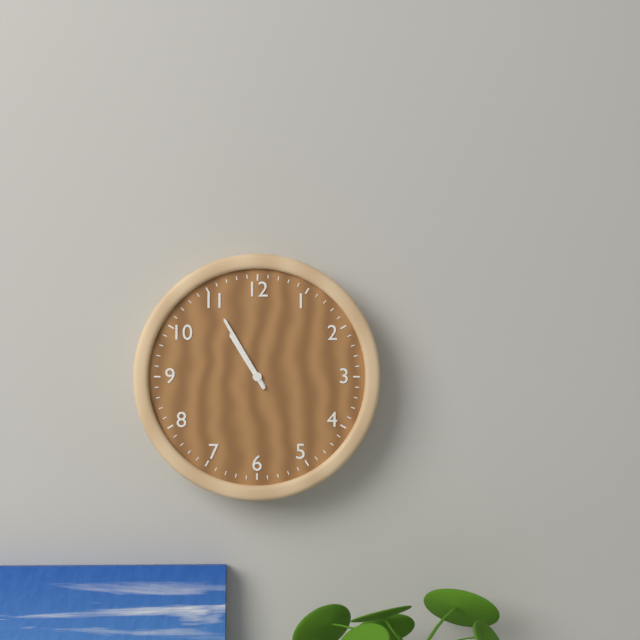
{"hour": 10, "minute": 55}
